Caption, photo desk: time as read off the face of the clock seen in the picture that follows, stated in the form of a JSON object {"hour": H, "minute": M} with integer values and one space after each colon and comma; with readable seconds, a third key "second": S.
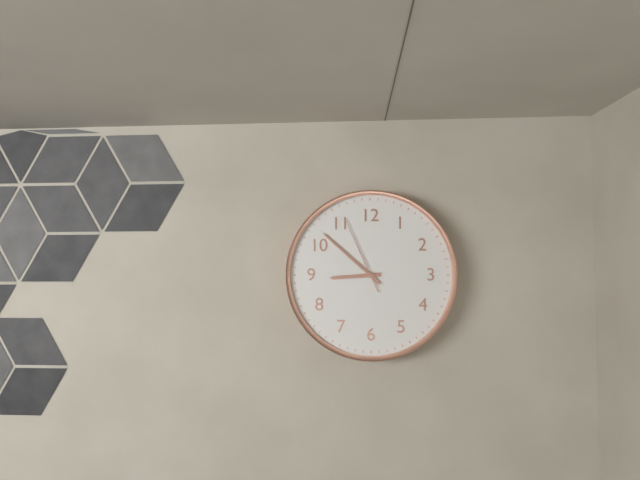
{"hour": 8, "minute": 52, "second": 56}
